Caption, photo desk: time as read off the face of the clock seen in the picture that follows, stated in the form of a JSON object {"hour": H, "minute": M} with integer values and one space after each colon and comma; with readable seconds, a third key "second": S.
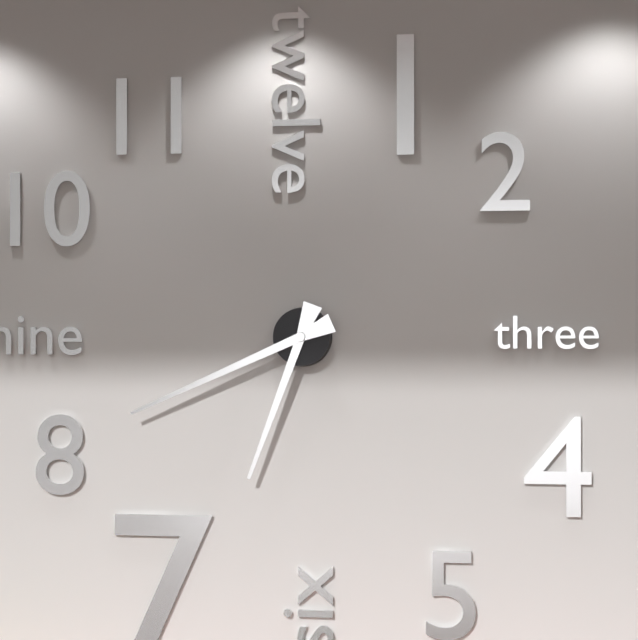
{"hour": 6, "minute": 41}
